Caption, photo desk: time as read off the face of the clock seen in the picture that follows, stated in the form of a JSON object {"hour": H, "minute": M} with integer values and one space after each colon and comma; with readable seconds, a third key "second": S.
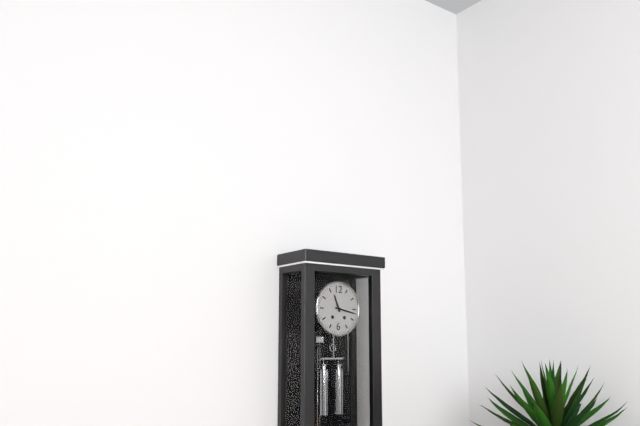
{"hour": 11, "minute": 17}
